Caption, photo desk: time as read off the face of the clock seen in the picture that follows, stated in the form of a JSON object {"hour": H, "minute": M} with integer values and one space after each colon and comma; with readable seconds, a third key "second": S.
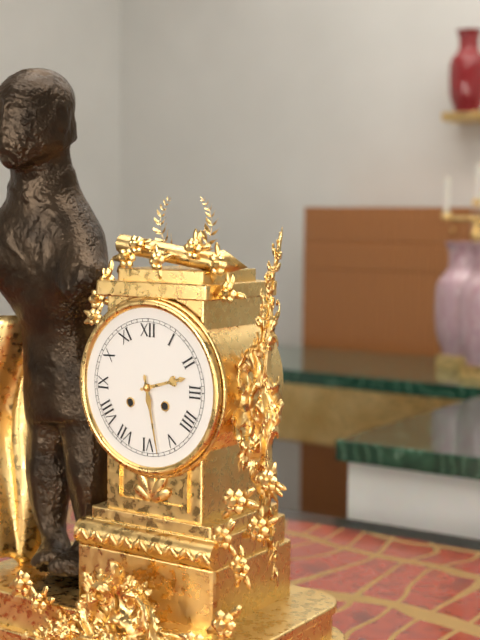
{"hour": 2, "minute": 28}
